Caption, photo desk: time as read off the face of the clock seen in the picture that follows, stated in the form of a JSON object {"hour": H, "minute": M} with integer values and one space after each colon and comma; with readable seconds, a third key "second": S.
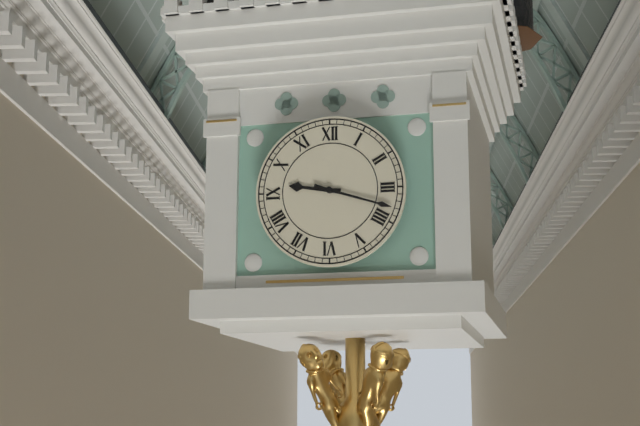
{"hour": 9, "minute": 18}
